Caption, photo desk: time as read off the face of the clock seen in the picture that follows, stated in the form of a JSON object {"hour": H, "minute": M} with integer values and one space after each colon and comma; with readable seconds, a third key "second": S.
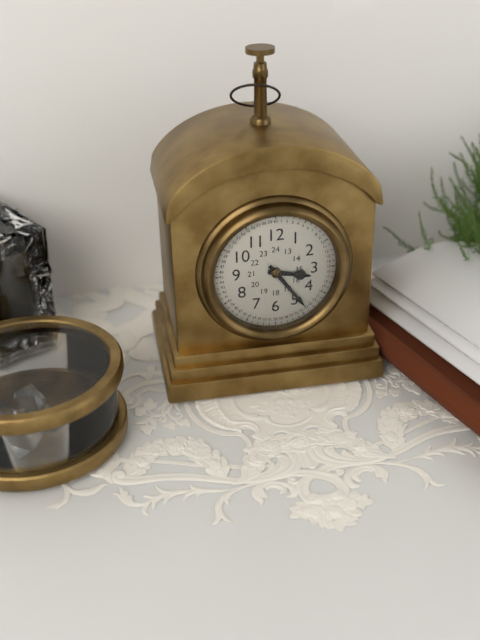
{"hour": 3, "minute": 24}
